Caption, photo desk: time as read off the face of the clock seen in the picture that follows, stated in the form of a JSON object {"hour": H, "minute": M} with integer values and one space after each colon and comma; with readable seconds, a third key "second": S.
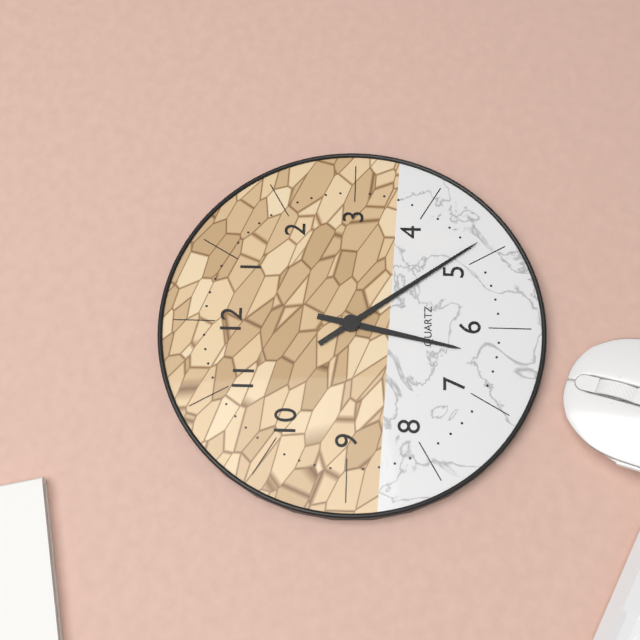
{"hour": 6, "minute": 24}
